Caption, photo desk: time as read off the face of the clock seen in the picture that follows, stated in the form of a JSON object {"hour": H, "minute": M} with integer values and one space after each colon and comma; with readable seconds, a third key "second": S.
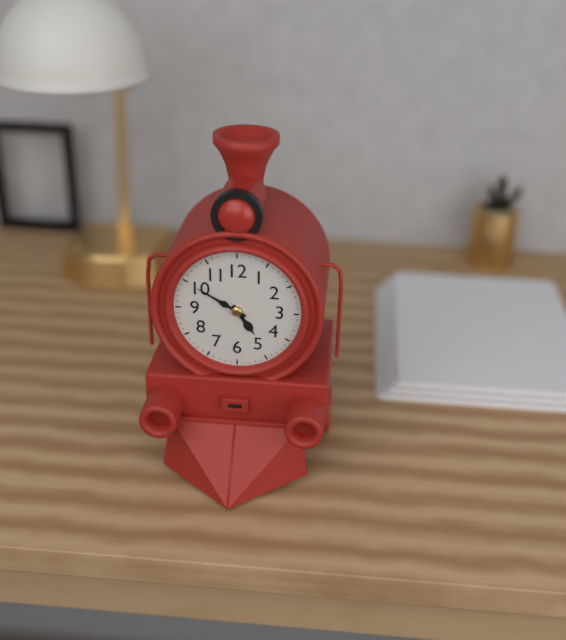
{"hour": 4, "minute": 50}
